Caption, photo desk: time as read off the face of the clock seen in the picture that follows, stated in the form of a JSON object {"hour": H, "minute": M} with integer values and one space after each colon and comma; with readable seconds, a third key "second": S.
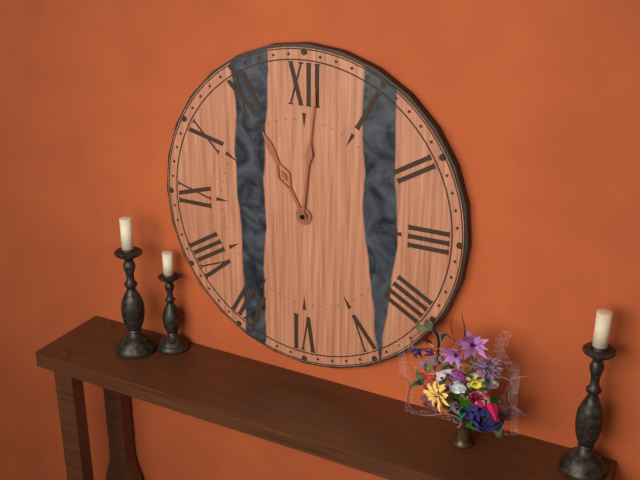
{"hour": 11, "minute": 1}
